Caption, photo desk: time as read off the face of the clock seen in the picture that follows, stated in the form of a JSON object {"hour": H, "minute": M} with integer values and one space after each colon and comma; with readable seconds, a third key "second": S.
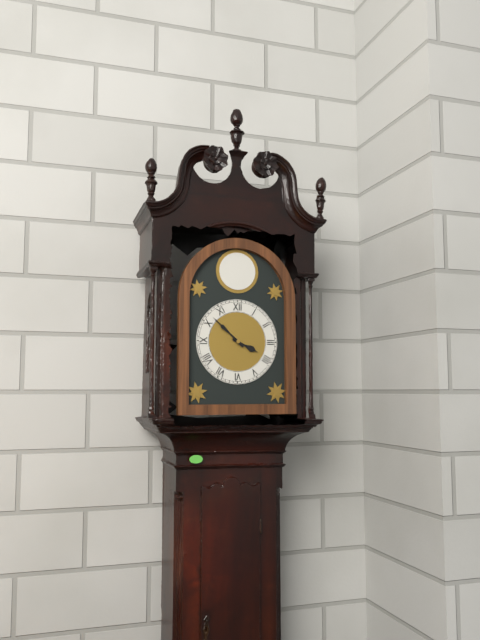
{"hour": 3, "minute": 52}
